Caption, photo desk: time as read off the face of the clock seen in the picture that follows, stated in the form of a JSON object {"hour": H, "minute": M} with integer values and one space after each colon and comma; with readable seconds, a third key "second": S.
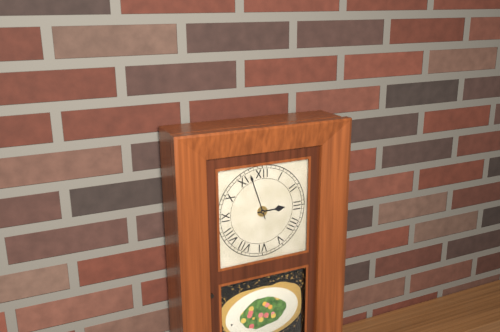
{"hour": 2, "minute": 57}
